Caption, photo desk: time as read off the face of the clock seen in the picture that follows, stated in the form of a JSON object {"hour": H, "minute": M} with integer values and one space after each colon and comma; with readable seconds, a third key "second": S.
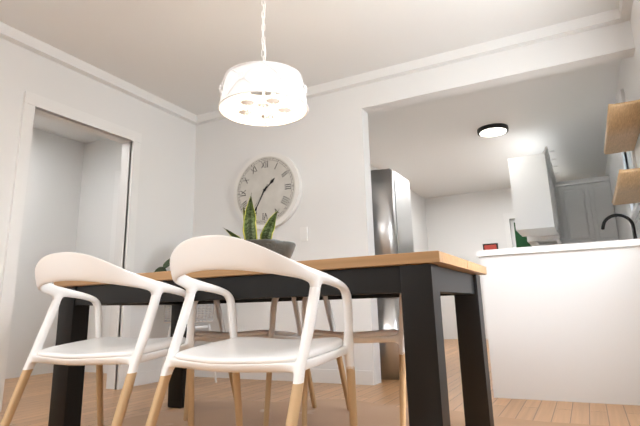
{"hour": 1, "minute": 35}
